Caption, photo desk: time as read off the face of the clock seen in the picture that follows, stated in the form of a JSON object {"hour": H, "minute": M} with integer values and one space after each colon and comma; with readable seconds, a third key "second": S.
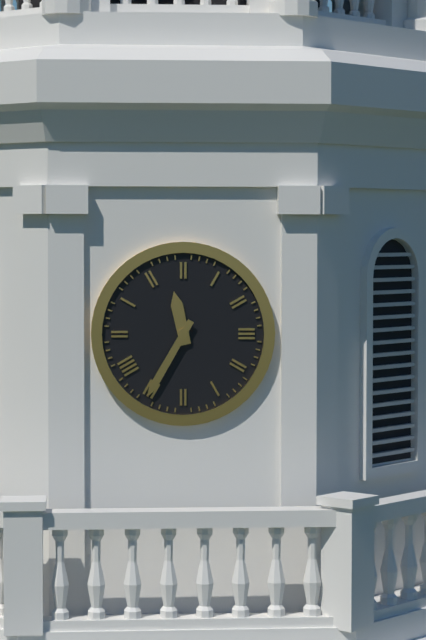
{"hour": 11, "minute": 35}
